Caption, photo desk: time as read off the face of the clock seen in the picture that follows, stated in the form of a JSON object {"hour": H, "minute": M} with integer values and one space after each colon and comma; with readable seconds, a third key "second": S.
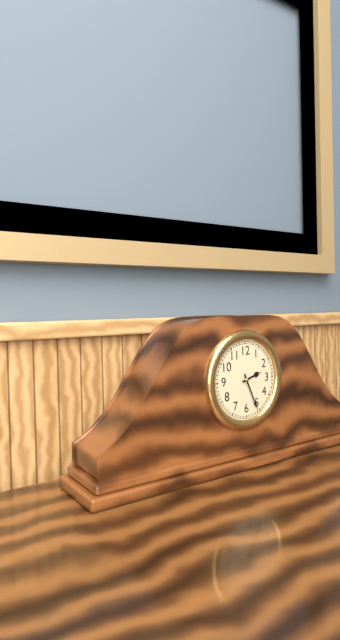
{"hour": 2, "minute": 26}
